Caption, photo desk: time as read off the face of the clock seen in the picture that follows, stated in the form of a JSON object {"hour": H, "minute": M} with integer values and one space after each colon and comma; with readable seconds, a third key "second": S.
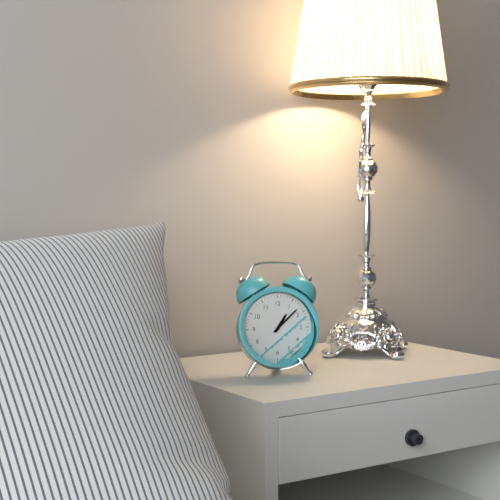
{"hour": 1, "minute": 8}
